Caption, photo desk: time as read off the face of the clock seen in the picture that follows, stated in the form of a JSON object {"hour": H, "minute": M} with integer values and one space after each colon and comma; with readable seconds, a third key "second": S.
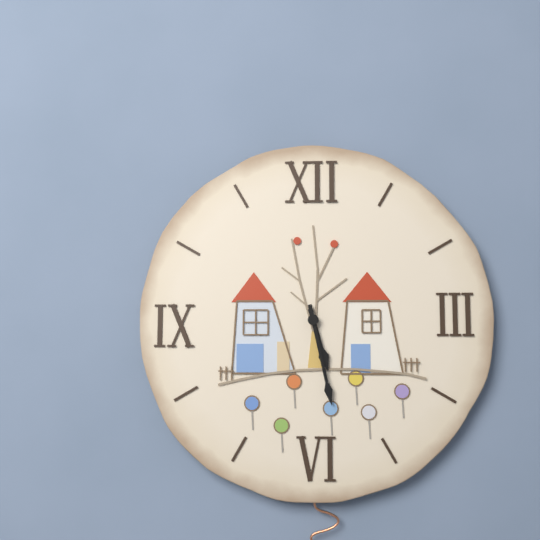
{"hour": 5, "minute": 28}
